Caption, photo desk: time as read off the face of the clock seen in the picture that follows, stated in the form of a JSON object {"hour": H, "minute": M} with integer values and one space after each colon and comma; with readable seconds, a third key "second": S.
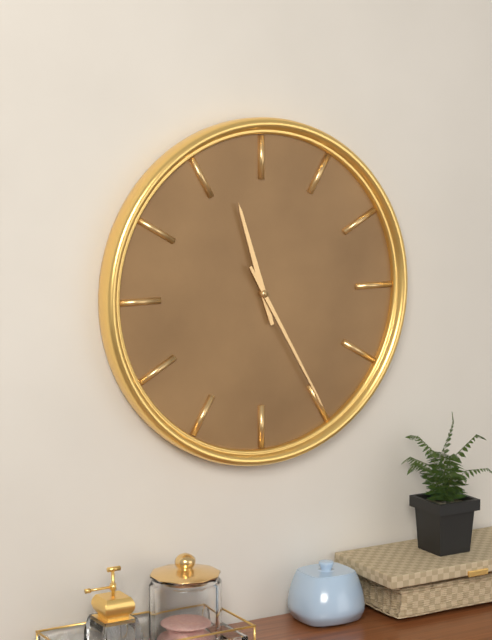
{"hour": 11, "minute": 25}
